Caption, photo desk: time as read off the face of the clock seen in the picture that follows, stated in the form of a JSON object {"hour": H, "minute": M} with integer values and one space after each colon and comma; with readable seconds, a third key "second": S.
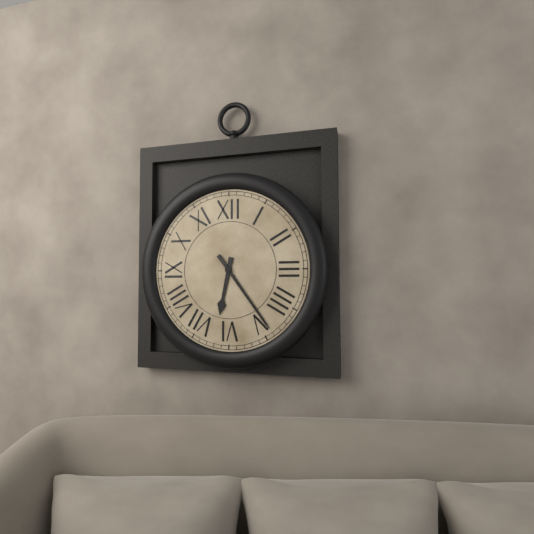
{"hour": 6, "minute": 24}
